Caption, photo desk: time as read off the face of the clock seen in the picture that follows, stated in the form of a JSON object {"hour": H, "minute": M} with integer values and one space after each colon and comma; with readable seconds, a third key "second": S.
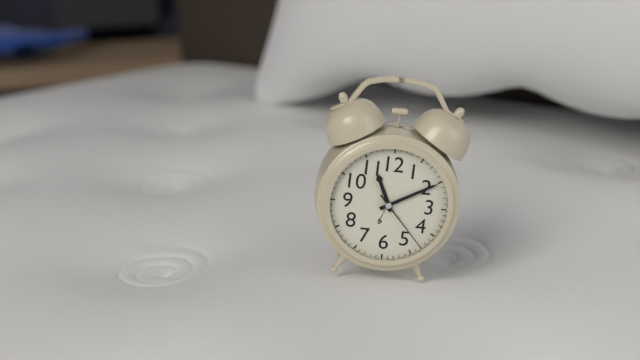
{"hour": 11, "minute": 10, "second": 23}
